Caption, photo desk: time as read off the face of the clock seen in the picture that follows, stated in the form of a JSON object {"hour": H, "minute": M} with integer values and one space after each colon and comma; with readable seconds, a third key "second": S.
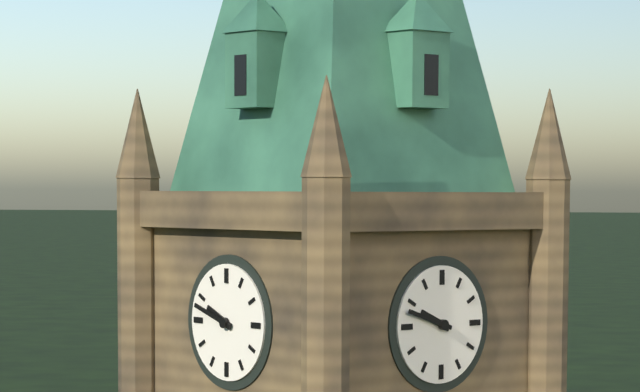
{"hour": 9, "minute": 48}
